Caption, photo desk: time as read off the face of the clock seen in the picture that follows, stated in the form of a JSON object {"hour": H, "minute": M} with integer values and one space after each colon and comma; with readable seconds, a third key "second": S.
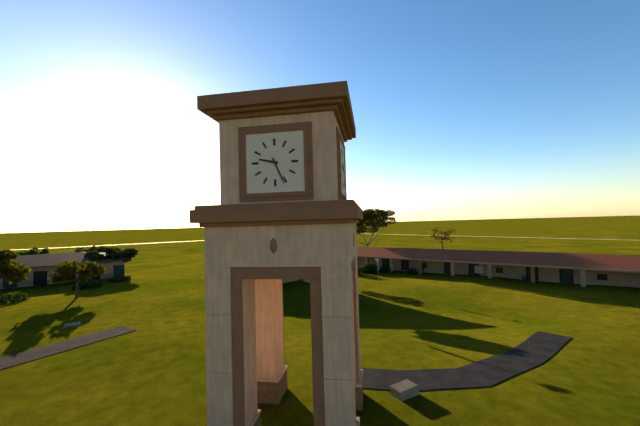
{"hour": 9, "minute": 26}
